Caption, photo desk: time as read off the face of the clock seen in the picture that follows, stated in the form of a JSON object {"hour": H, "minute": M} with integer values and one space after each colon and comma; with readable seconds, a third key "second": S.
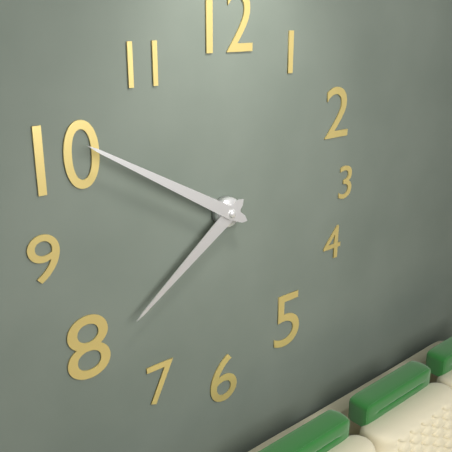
{"hour": 7, "minute": 50}
